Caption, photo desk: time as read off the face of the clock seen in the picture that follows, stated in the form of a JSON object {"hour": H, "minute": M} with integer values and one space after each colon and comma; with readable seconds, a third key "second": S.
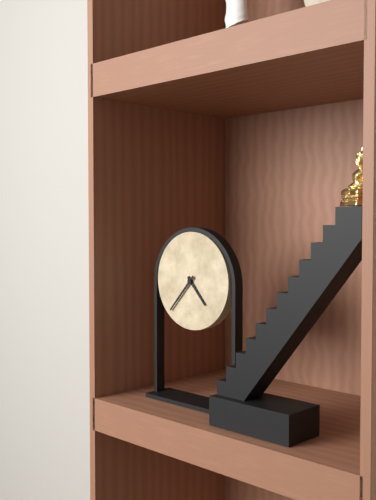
{"hour": 4, "minute": 37}
